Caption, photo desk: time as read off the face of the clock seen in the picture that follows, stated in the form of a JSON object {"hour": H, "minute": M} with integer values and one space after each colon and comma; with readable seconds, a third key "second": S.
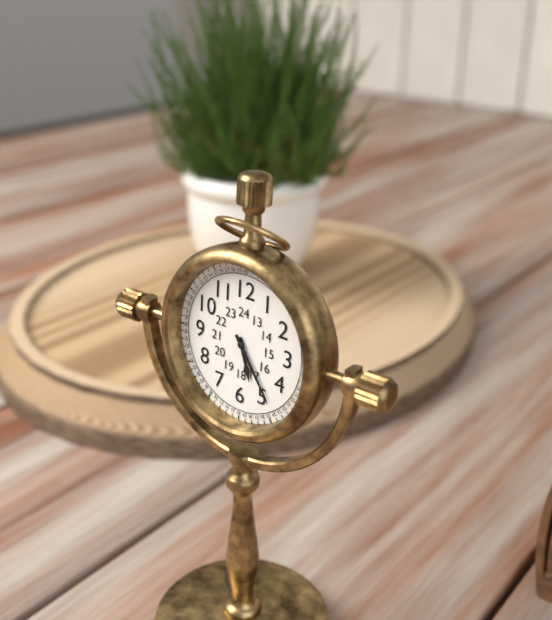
{"hour": 5, "minute": 24}
